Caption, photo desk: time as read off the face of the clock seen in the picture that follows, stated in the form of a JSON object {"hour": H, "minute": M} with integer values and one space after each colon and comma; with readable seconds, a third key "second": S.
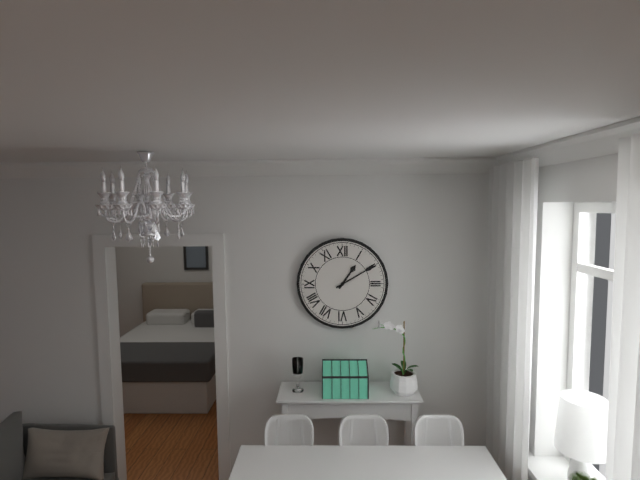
{"hour": 1, "minute": 10}
